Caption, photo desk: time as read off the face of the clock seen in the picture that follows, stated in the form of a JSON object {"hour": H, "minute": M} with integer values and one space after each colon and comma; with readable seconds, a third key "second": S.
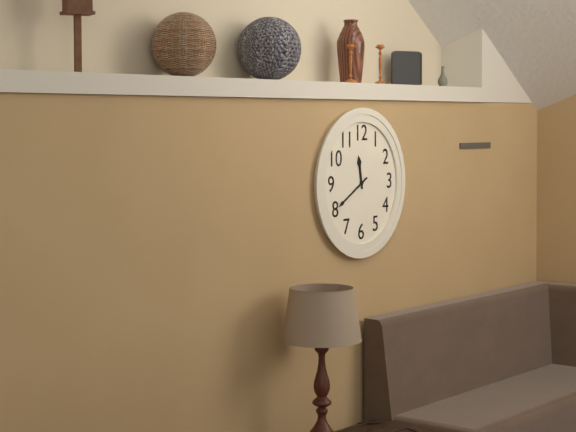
{"hour": 11, "minute": 40}
